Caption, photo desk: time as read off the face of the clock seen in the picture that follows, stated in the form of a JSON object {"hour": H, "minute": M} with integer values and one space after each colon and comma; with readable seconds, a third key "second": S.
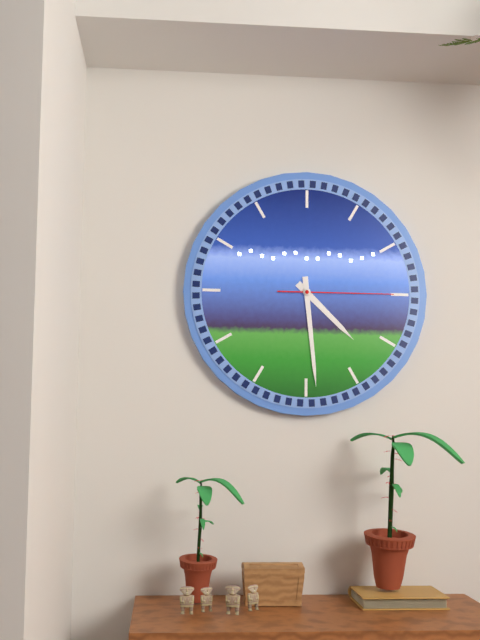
{"hour": 4, "minute": 29, "second": 15}
